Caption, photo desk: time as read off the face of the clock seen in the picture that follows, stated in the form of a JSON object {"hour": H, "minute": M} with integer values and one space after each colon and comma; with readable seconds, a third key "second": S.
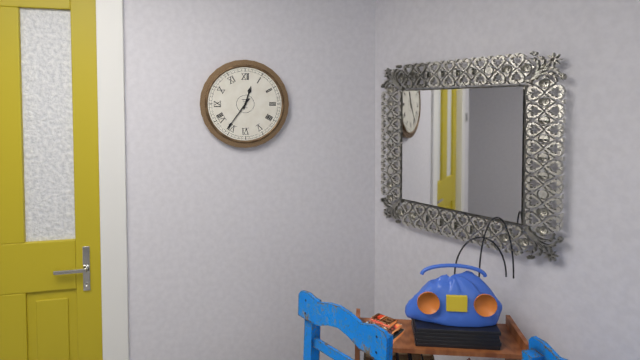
{"hour": 12, "minute": 36}
